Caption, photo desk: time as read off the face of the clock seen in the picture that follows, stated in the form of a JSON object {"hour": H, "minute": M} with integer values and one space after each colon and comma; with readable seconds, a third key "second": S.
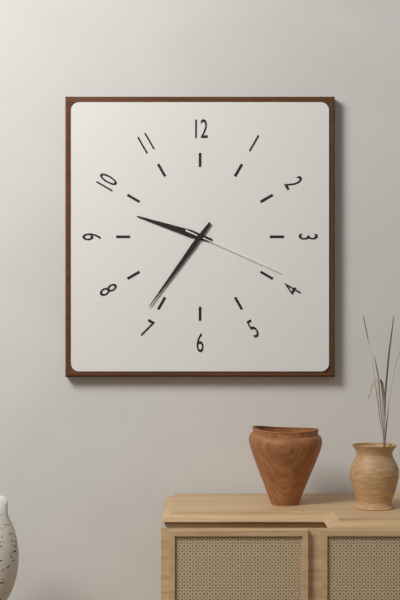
{"hour": 9, "minute": 36, "second": 19}
